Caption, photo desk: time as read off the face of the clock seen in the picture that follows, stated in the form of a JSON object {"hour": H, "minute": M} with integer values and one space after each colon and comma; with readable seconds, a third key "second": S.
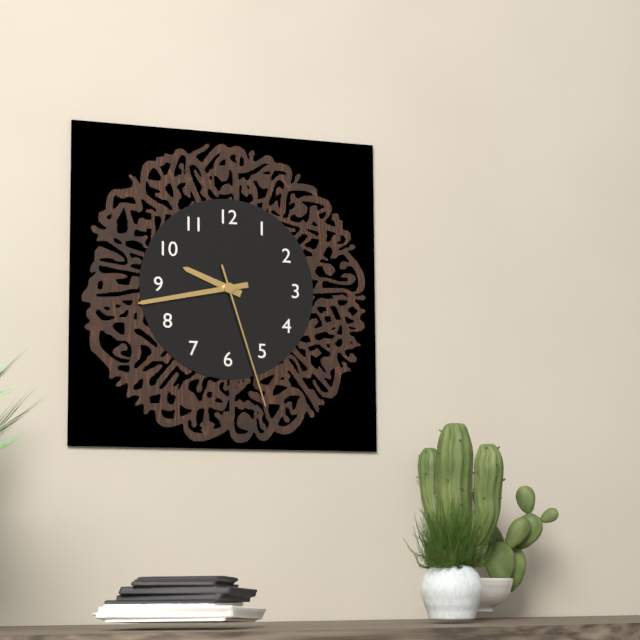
{"hour": 9, "minute": 43, "second": 27}
